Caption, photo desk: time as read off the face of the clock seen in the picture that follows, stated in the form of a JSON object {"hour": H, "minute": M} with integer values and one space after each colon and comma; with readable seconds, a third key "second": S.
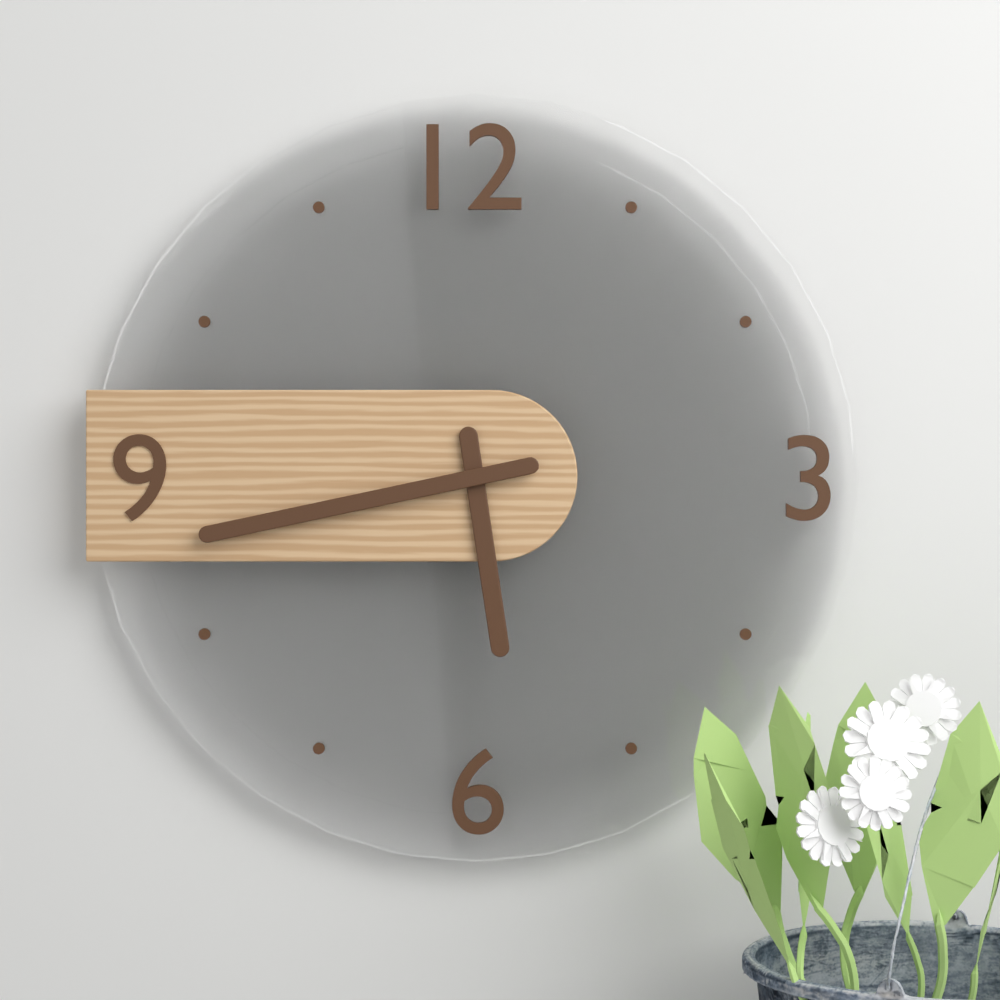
{"hour": 5, "minute": 43}
